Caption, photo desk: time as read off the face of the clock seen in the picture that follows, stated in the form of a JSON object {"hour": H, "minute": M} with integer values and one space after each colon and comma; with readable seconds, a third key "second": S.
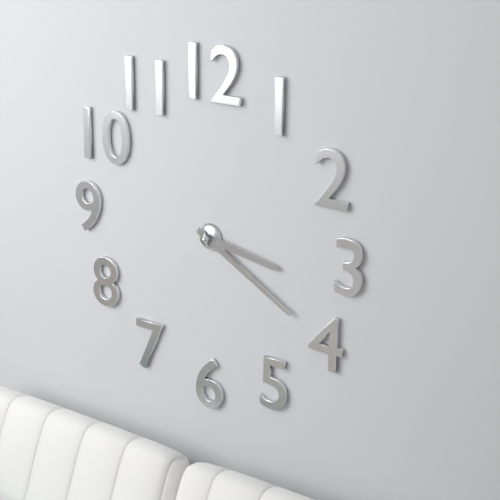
{"hour": 3, "minute": 20}
